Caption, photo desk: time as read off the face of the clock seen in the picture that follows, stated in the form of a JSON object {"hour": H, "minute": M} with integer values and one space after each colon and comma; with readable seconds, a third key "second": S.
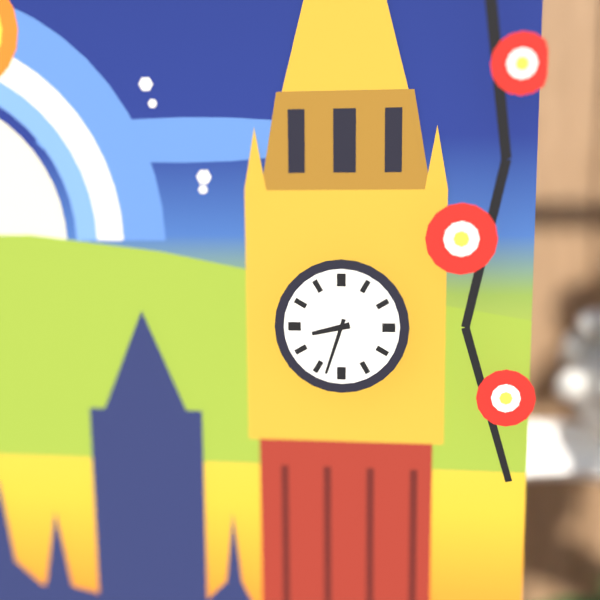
{"hour": 8, "minute": 33}
